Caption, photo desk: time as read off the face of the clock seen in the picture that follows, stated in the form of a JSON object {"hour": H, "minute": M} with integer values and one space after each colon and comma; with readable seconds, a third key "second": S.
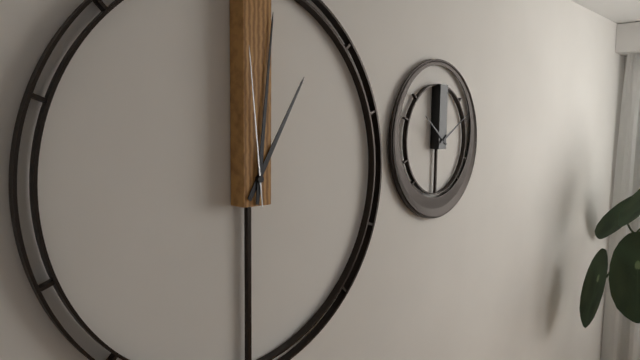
{"hour": 1, "minute": 1, "second": 59}
